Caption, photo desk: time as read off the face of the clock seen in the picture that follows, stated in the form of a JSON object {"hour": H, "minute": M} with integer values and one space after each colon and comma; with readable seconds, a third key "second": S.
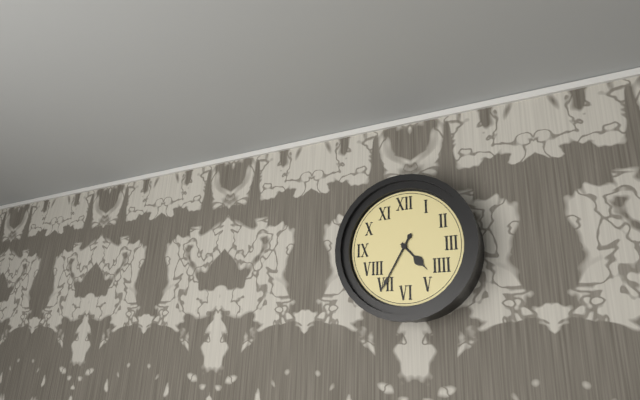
{"hour": 4, "minute": 35}
